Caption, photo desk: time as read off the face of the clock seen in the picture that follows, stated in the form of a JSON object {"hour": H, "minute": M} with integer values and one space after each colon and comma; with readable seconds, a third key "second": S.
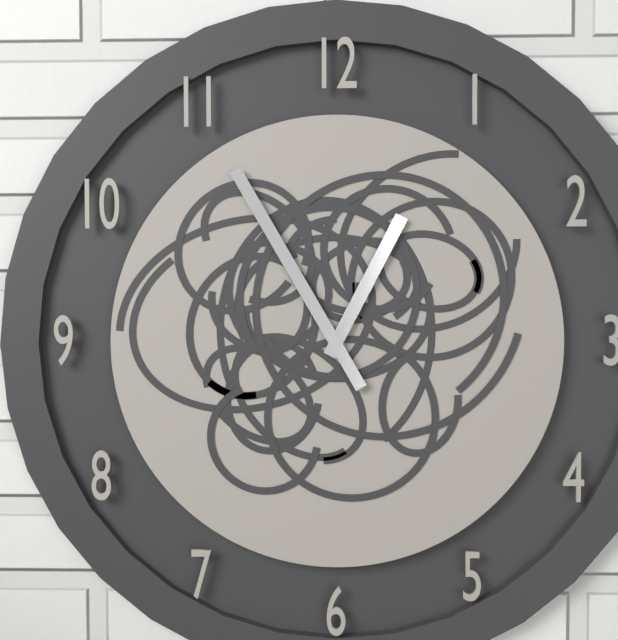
{"hour": 12, "minute": 55}
